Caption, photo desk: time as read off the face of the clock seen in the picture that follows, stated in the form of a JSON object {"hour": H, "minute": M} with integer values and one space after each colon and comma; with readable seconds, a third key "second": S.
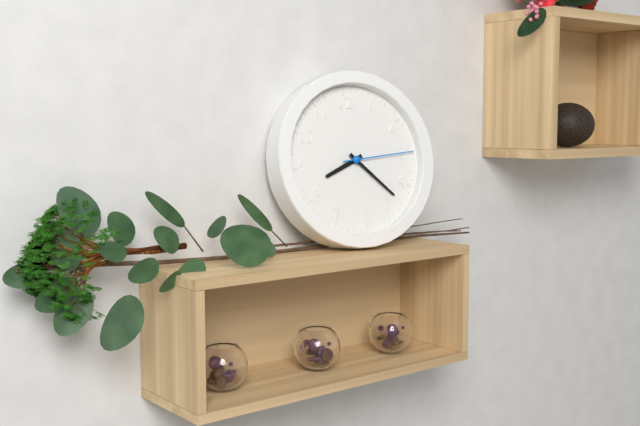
{"hour": 8, "minute": 23, "second": 15}
